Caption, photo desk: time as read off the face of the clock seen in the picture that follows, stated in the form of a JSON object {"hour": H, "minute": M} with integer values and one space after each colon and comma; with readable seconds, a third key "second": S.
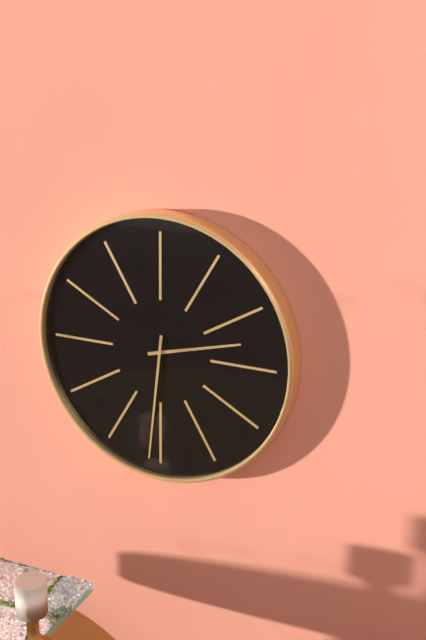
{"hour": 2, "minute": 31}
